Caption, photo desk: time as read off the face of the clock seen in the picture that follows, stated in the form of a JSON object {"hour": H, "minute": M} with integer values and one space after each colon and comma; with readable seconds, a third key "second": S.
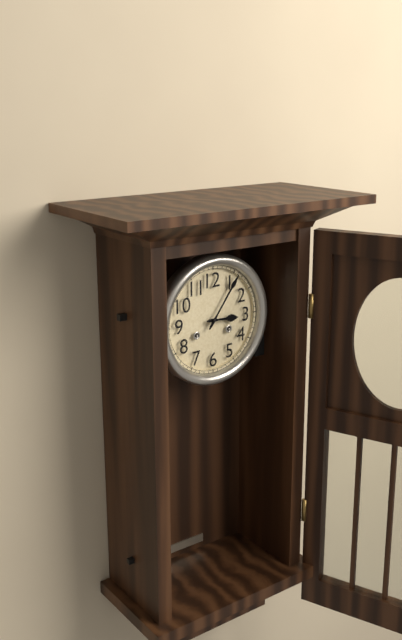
{"hour": 3, "minute": 6}
